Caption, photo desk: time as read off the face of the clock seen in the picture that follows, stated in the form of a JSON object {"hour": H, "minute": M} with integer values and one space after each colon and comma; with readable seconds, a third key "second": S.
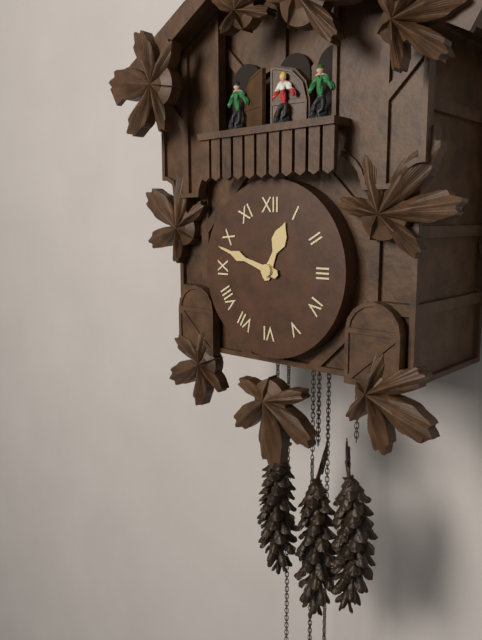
{"hour": 12, "minute": 48}
